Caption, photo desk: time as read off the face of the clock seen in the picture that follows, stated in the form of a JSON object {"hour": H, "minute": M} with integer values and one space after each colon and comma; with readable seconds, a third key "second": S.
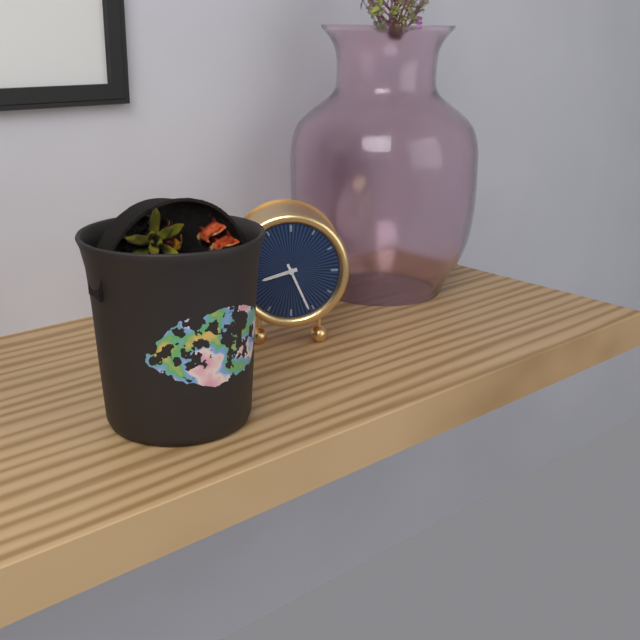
{"hour": 8, "minute": 26}
